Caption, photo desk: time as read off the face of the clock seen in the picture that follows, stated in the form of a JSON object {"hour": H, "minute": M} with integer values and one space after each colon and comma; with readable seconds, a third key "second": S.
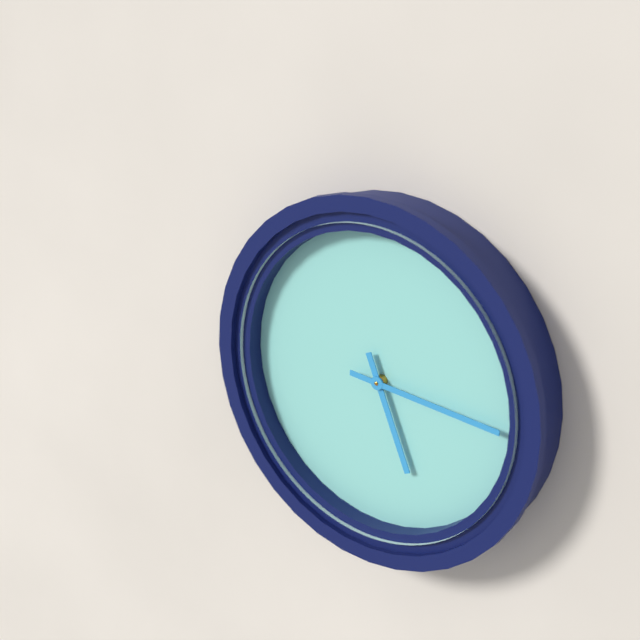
{"hour": 5, "minute": 16}
